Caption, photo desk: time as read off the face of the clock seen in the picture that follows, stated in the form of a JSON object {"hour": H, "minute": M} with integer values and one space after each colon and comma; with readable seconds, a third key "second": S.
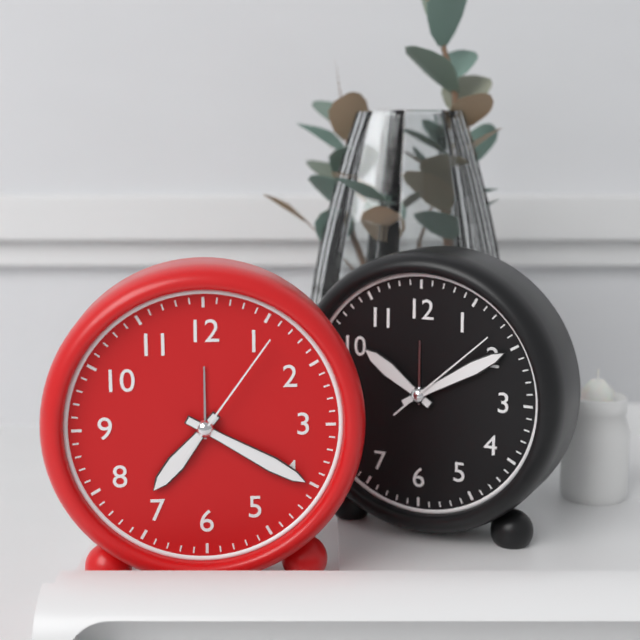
{"hour": 7, "minute": 20, "second": 6}
